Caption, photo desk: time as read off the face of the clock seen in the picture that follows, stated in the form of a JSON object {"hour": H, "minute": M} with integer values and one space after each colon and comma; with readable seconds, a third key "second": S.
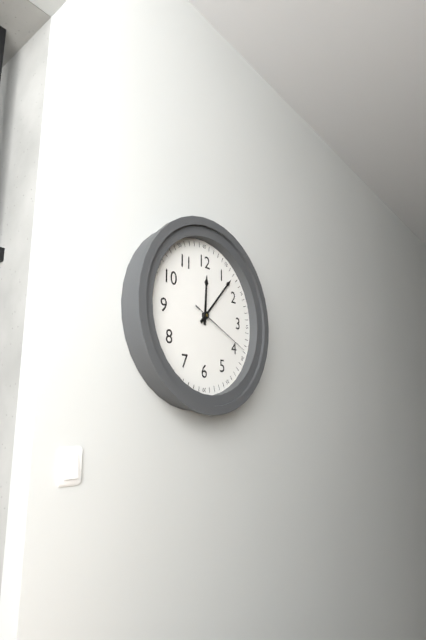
{"hour": 12, "minute": 7, "second": 19}
